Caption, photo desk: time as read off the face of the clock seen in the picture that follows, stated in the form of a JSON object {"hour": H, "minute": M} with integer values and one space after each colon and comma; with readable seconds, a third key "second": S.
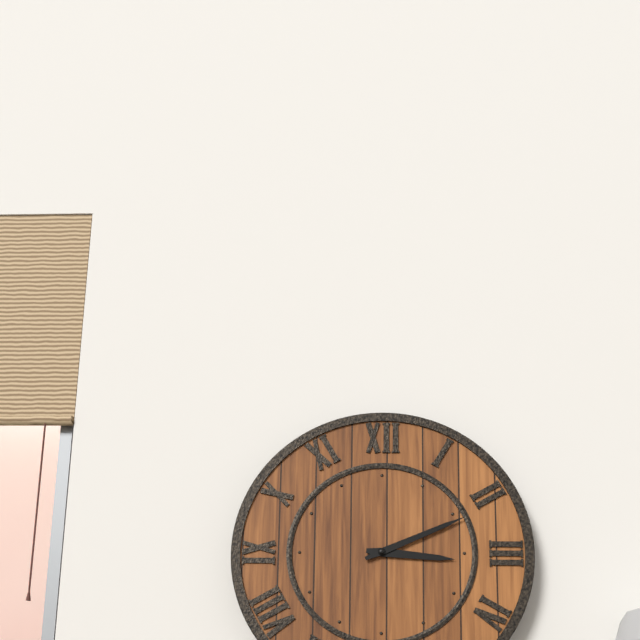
{"hour": 3, "minute": 11}
